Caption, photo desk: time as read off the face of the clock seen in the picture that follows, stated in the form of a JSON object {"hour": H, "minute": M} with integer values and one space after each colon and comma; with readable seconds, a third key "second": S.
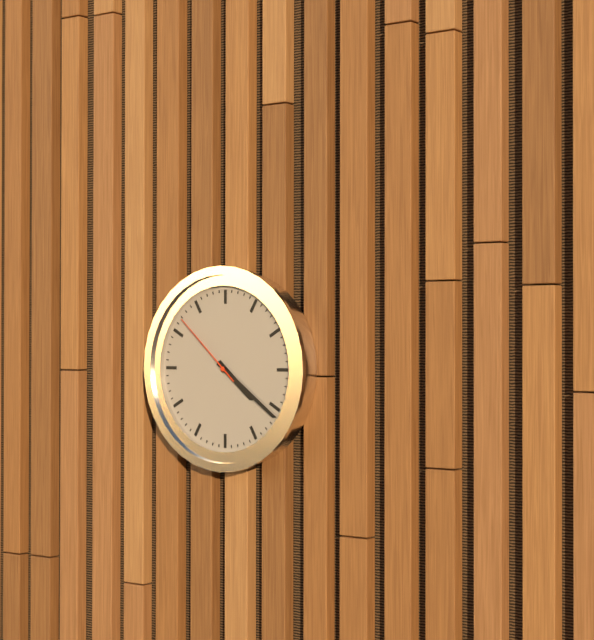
{"hour": 4, "minute": 21, "second": 52}
